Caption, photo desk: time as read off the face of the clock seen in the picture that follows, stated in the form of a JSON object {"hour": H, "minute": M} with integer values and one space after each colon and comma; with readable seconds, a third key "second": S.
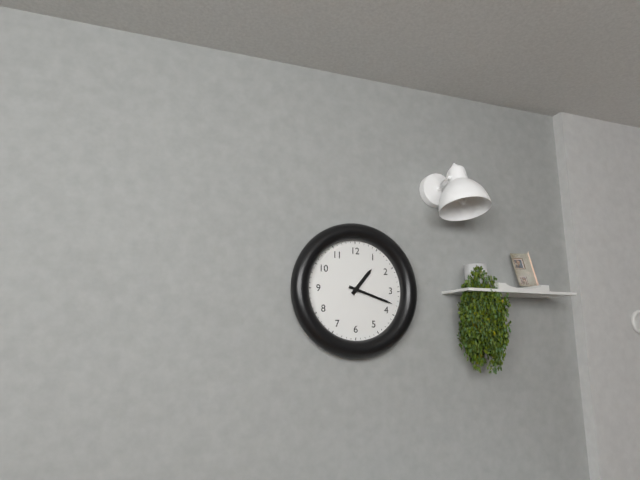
{"hour": 1, "minute": 18}
